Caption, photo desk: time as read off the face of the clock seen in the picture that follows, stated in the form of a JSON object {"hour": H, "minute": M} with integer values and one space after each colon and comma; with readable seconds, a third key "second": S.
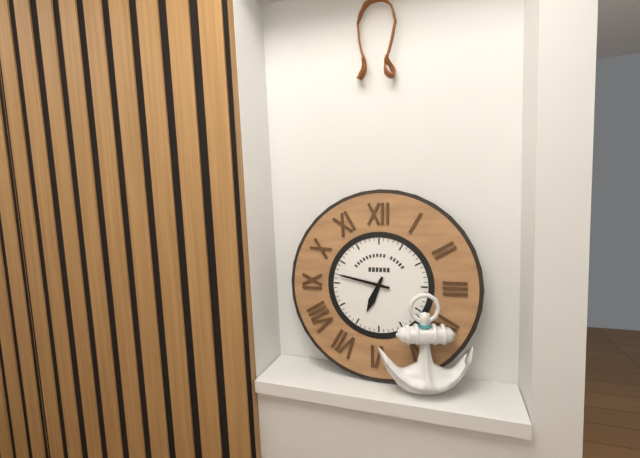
{"hour": 6, "minute": 47}
